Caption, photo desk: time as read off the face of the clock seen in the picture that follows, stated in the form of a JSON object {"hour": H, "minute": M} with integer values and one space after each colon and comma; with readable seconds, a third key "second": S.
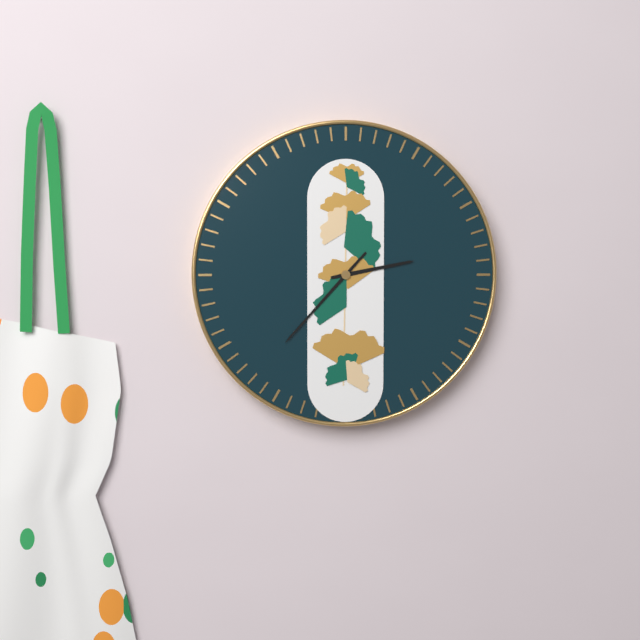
{"hour": 2, "minute": 37}
